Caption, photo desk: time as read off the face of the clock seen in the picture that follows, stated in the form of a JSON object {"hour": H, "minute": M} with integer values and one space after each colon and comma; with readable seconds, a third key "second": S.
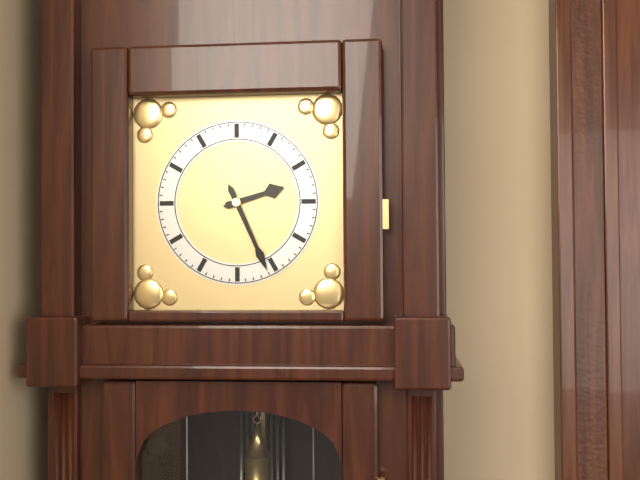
{"hour": 2, "minute": 26}
